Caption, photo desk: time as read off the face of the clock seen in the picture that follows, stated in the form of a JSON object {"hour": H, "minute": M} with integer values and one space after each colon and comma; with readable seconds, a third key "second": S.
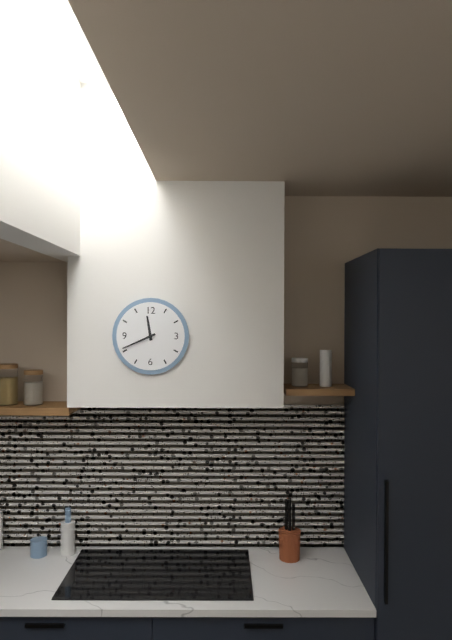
{"hour": 11, "minute": 41}
